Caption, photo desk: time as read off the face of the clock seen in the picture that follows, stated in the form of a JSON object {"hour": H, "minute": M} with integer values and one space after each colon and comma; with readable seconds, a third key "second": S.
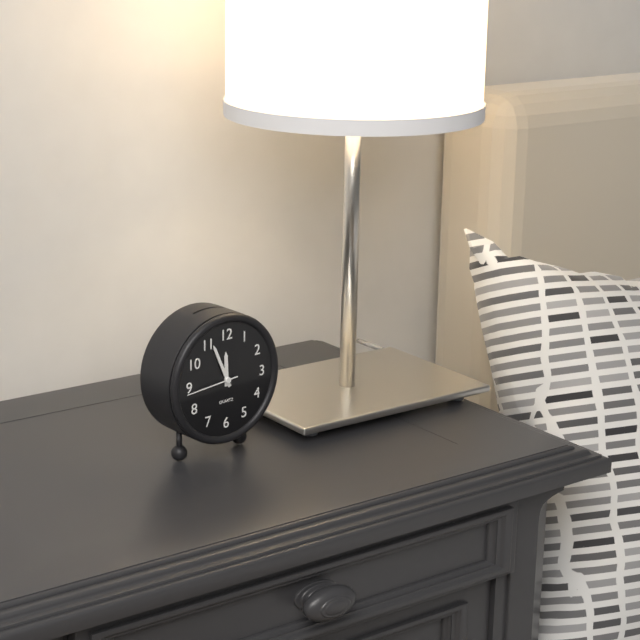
{"hour": 11, "minute": 56, "second": 44}
